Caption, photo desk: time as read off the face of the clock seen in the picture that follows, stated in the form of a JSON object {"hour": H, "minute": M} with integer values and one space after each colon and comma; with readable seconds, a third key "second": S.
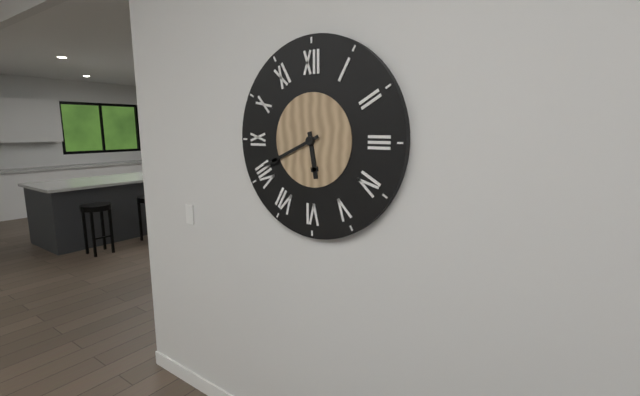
{"hour": 5, "minute": 41}
